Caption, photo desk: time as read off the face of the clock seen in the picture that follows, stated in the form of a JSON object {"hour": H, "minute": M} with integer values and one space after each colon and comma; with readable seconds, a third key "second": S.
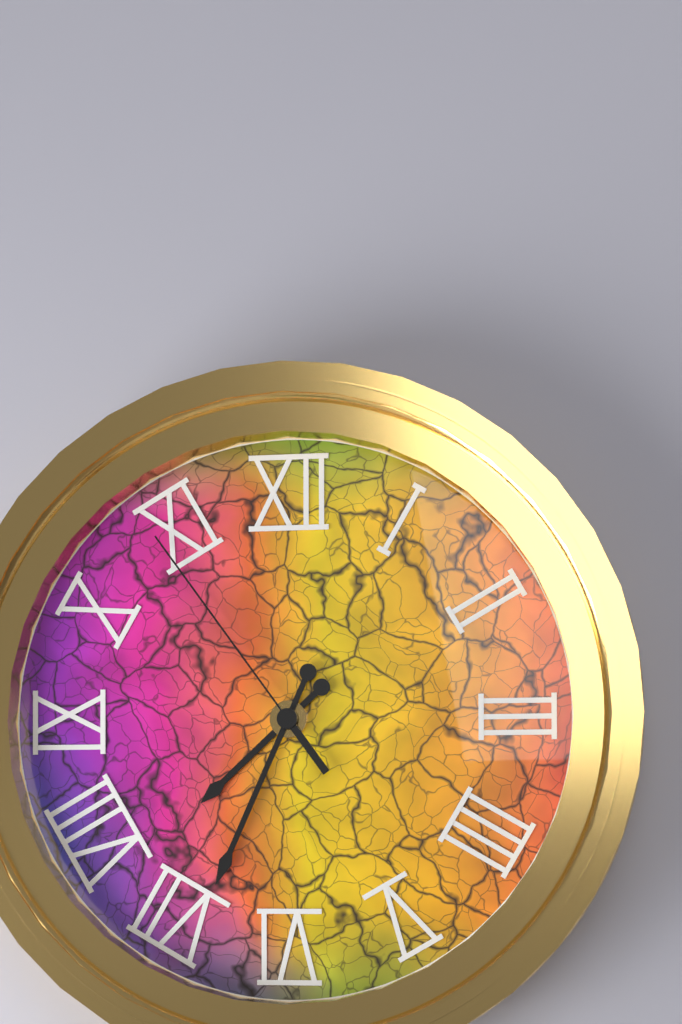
{"hour": 7, "minute": 34, "second": 54}
